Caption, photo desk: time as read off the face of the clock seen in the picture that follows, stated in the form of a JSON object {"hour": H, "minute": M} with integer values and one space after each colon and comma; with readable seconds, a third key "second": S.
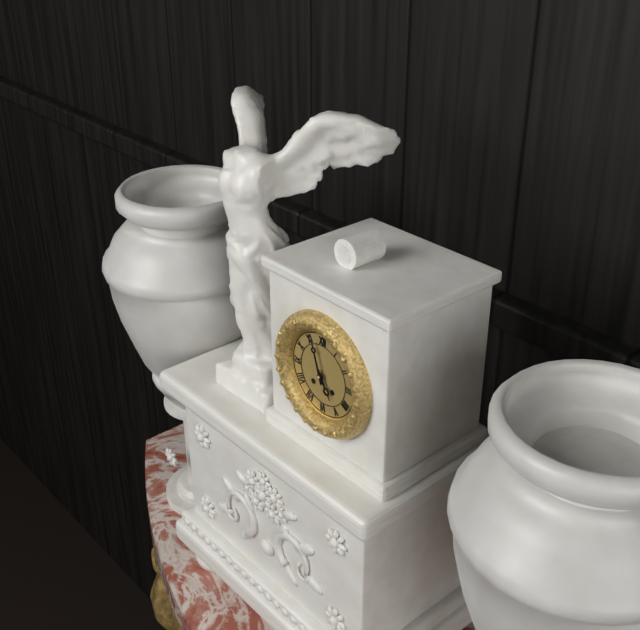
{"hour": 4, "minute": 57}
